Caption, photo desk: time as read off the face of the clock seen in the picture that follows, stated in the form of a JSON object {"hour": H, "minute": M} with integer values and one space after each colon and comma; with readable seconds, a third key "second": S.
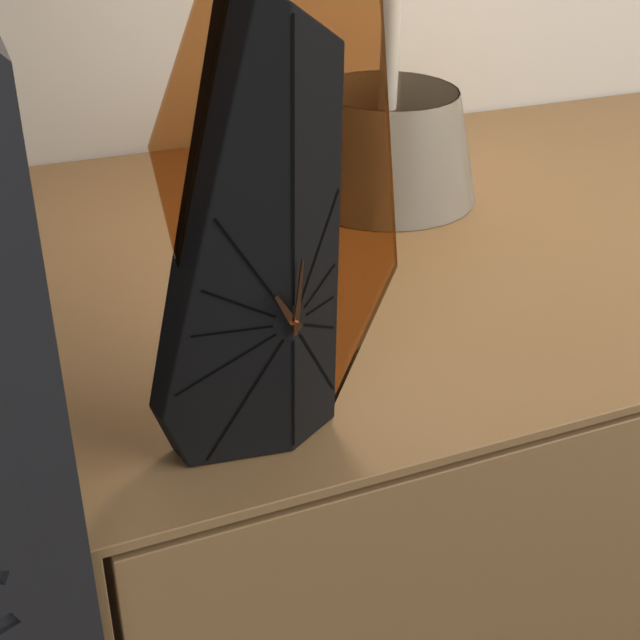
{"hour": 11, "minute": 1}
